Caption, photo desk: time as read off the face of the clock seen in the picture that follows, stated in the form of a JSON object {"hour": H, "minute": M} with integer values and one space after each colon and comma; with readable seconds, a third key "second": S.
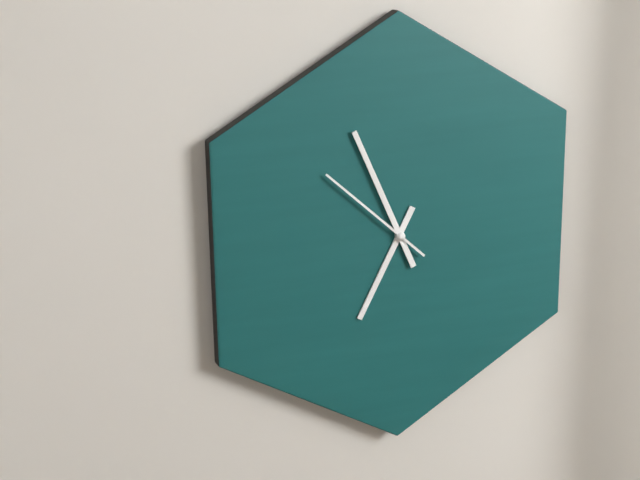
{"hour": 6, "minute": 56, "second": 52}
